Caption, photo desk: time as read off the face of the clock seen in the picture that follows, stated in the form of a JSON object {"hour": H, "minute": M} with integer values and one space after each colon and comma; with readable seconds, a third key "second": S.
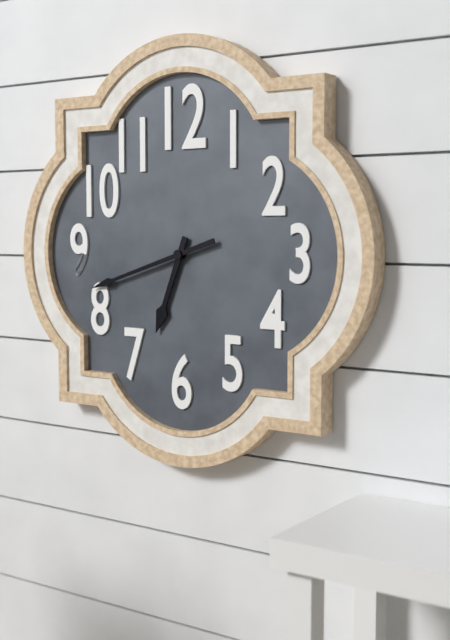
{"hour": 6, "minute": 42}
